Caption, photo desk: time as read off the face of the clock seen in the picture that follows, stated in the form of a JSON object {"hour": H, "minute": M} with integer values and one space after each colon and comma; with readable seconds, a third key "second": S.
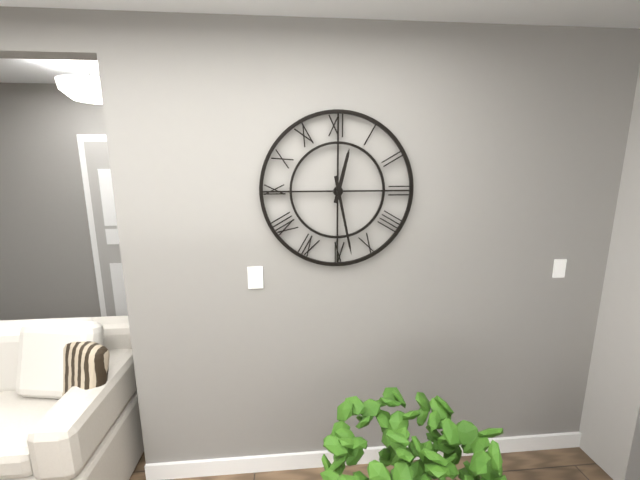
{"hour": 12, "minute": 28}
